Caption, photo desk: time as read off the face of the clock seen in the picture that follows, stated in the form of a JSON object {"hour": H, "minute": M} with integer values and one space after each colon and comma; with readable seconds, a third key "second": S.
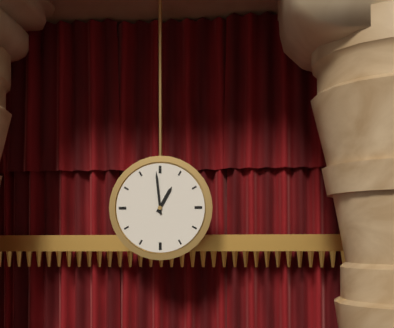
{"hour": 12, "minute": 59}
